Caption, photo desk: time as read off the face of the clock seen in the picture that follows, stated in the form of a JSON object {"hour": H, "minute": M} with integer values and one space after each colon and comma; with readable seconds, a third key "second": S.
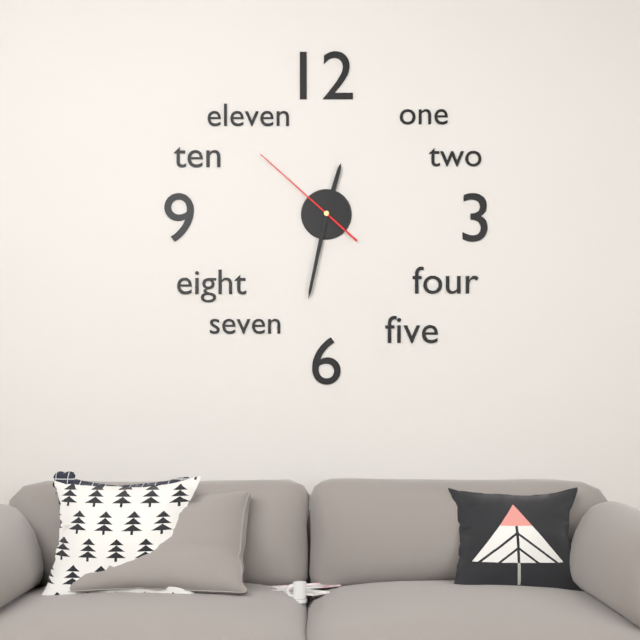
{"hour": 12, "minute": 32, "second": 52}
